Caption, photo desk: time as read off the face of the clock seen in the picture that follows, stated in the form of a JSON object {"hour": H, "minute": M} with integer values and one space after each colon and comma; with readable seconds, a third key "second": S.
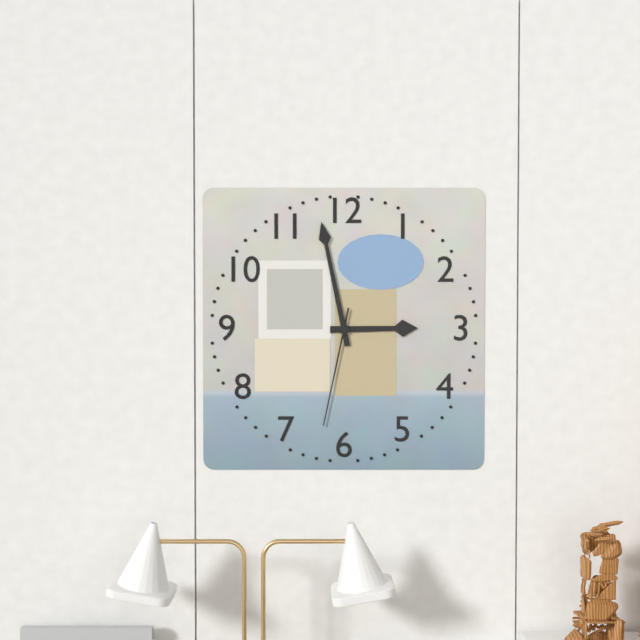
{"hour": 2, "minute": 58, "second": 32}
